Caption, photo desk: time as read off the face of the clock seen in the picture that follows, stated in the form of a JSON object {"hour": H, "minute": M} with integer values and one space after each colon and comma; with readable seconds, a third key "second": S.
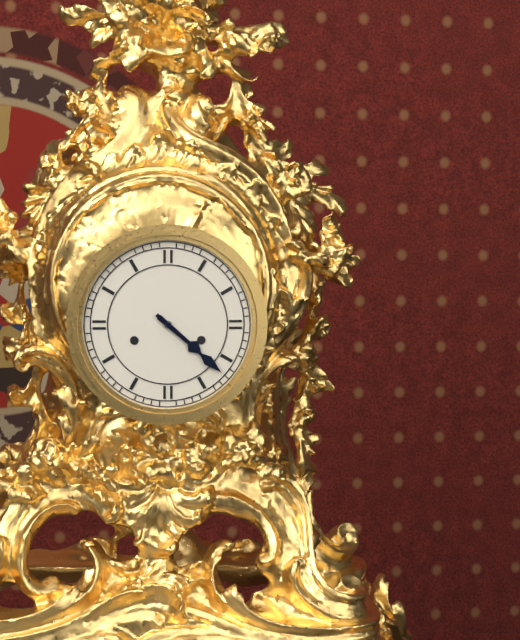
{"hour": 4, "minute": 22}
